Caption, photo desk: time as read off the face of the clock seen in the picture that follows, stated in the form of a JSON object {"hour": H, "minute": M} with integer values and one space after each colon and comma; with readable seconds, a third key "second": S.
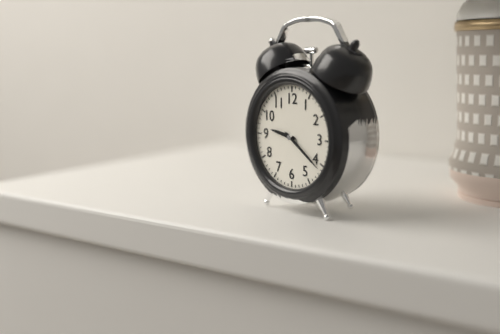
{"hour": 9, "minute": 21}
